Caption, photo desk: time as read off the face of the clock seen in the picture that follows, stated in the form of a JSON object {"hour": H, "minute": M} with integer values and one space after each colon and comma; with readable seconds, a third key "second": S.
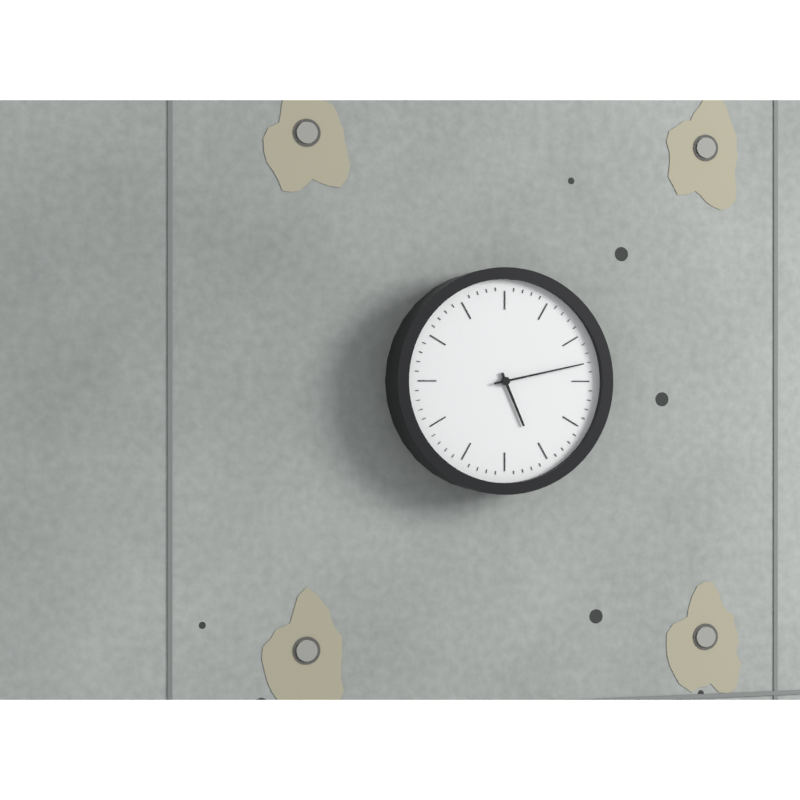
{"hour": 5, "minute": 13}
